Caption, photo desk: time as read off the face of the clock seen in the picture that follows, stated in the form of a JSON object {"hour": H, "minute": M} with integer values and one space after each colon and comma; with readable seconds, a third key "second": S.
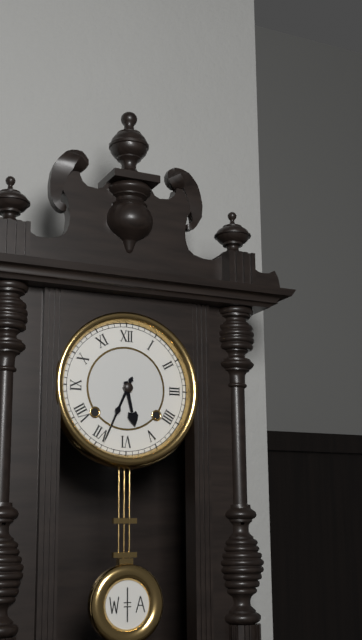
{"hour": 5, "minute": 34}
